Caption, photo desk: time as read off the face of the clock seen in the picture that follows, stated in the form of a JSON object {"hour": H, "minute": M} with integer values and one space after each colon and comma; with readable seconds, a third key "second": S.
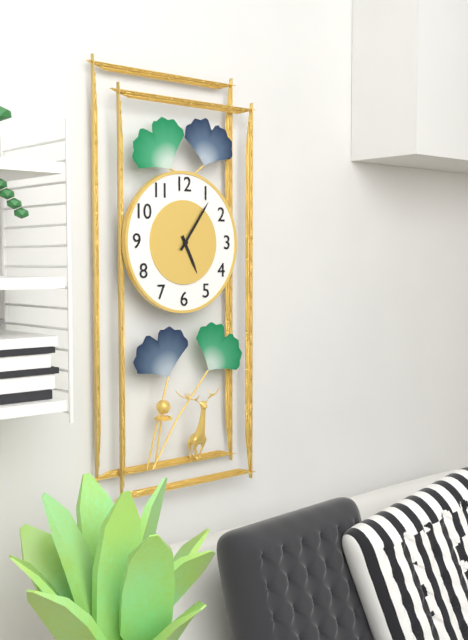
{"hour": 5, "minute": 6}
